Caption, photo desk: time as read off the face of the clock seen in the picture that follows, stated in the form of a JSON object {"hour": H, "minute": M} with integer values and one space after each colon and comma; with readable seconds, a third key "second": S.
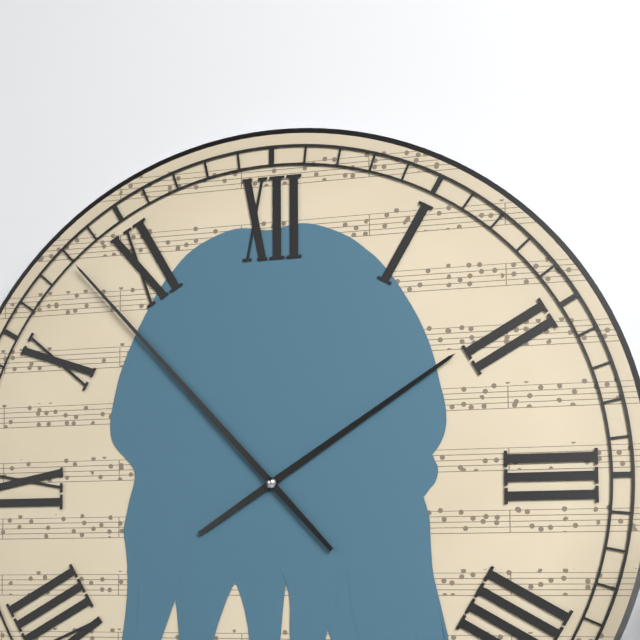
{"hour": 1, "minute": 53}
